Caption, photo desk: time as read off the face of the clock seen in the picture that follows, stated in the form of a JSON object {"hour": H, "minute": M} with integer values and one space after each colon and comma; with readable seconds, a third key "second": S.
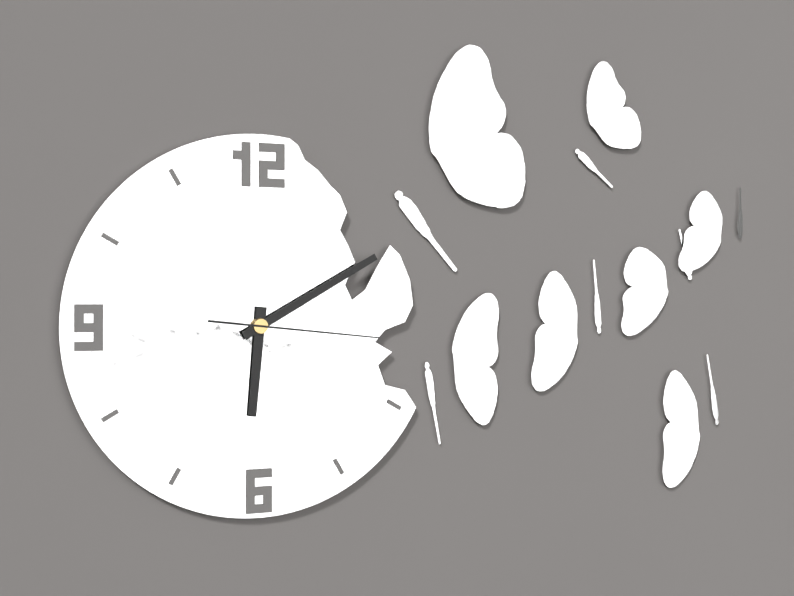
{"hour": 6, "minute": 10, "second": 16}
